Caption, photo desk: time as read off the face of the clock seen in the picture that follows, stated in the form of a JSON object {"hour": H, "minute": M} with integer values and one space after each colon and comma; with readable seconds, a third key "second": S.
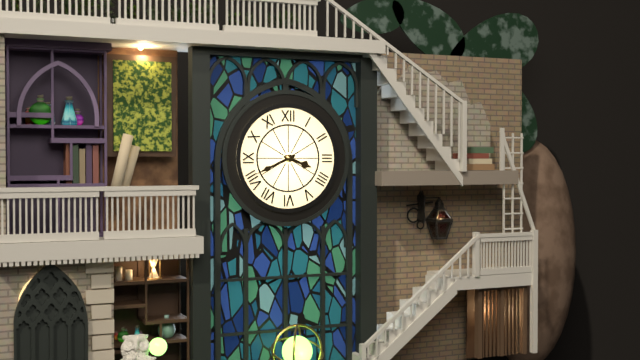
{"hour": 3, "minute": 41}
